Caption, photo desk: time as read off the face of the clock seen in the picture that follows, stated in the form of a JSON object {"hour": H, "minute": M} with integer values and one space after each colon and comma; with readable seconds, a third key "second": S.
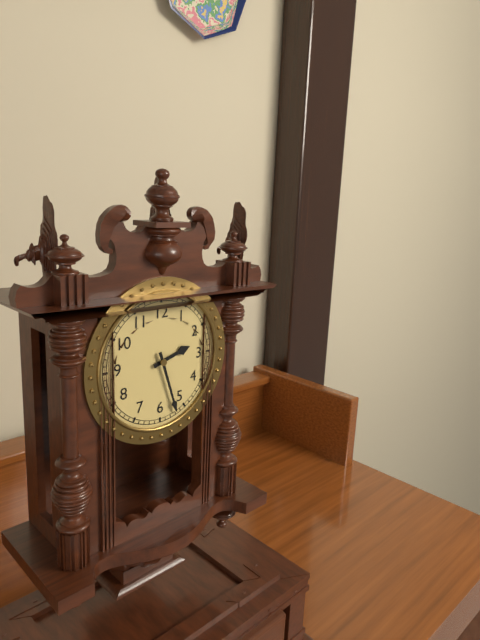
{"hour": 2, "minute": 27}
